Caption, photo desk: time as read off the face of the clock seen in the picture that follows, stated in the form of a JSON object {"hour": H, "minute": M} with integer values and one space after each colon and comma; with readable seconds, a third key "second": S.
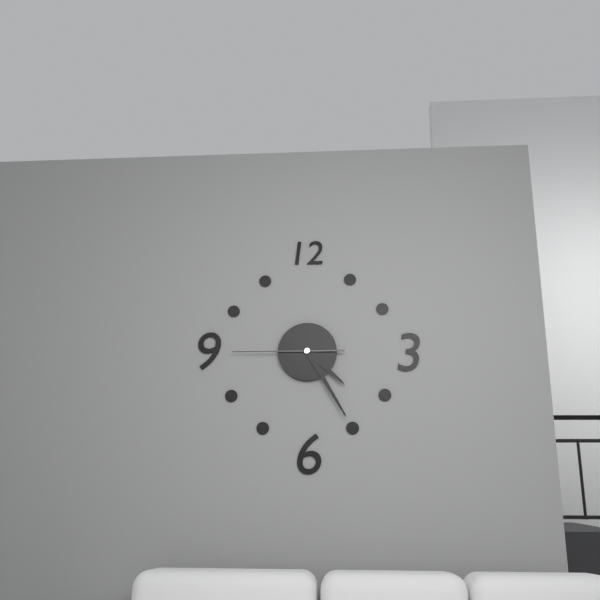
{"hour": 4, "minute": 25, "second": 45}
